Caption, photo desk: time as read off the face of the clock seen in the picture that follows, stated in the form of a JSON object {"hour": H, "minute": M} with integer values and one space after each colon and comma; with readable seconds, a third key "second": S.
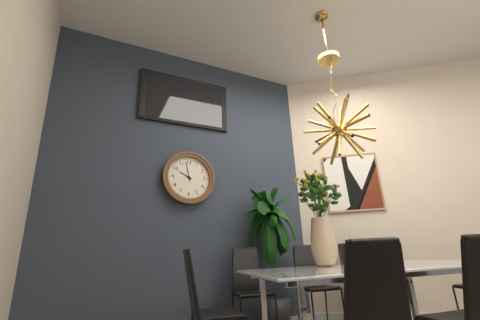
{"hour": 9, "minute": 58}
